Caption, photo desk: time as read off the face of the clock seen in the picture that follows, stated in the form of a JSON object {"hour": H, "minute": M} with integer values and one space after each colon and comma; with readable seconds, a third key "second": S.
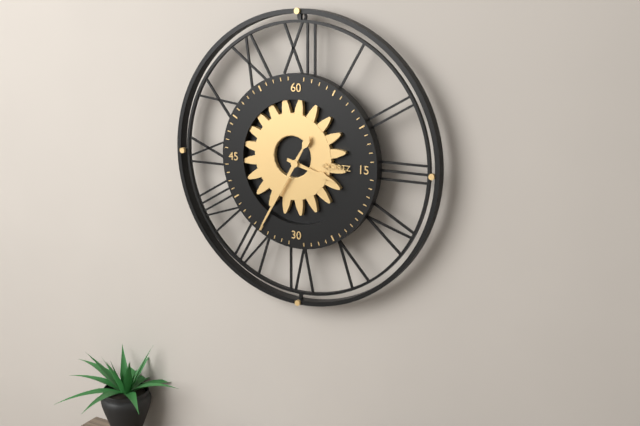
{"hour": 3, "minute": 35}
